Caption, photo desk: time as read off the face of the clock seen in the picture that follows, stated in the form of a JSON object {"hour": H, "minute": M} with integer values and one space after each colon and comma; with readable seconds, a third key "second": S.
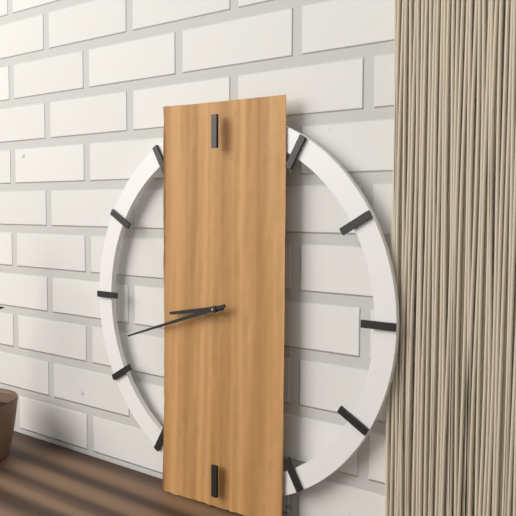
{"hour": 8, "minute": 42}
